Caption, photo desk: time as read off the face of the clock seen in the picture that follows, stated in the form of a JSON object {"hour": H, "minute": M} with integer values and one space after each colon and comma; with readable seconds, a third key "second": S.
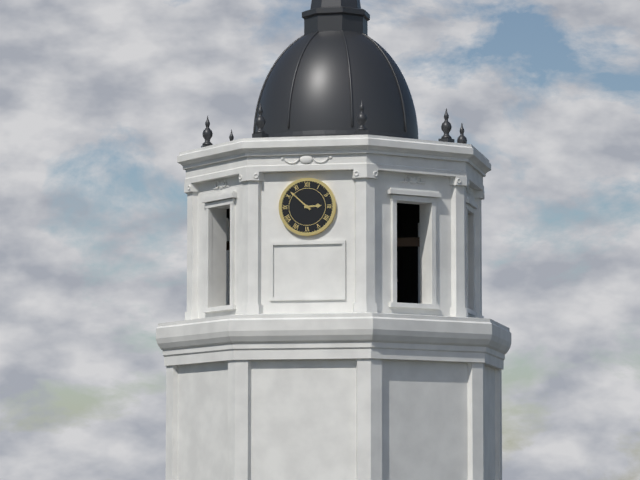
{"hour": 2, "minute": 52}
